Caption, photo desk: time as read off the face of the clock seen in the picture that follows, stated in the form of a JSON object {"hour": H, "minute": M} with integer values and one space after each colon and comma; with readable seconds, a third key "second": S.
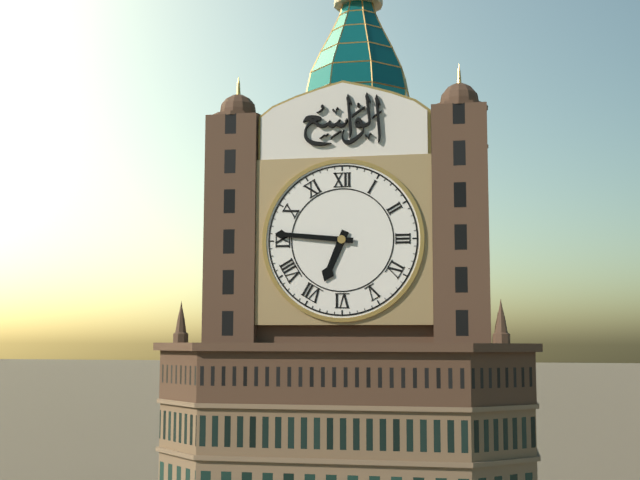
{"hour": 6, "minute": 46}
